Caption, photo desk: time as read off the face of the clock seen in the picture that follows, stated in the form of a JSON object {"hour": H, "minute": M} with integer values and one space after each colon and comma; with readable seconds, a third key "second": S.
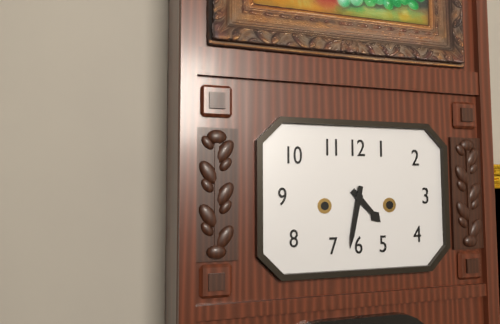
{"hour": 4, "minute": 32}
